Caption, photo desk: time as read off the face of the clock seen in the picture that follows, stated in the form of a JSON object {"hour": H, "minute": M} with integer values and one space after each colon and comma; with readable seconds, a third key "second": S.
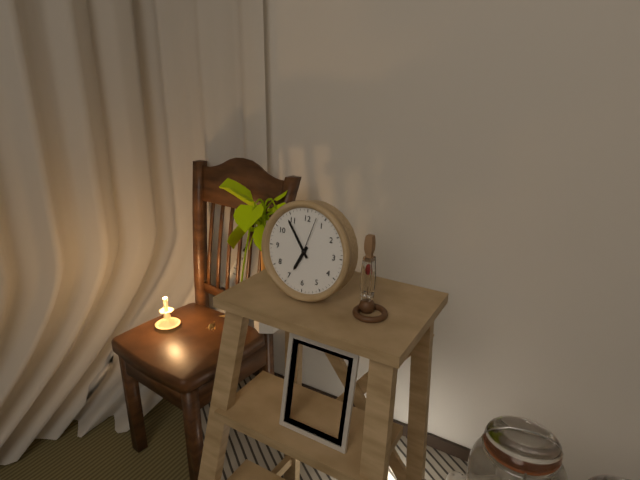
{"hour": 6, "minute": 54}
